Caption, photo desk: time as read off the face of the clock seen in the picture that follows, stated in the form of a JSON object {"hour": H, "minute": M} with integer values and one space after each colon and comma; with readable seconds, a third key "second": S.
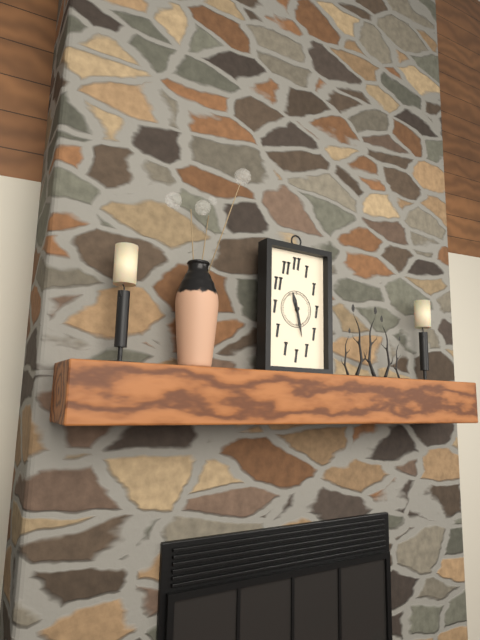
{"hour": 11, "minute": 28}
